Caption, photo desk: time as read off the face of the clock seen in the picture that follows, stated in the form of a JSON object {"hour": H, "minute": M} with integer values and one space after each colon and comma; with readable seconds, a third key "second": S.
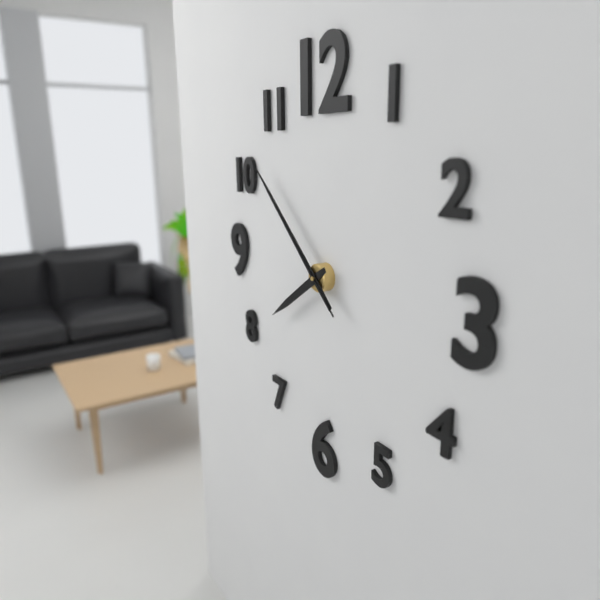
{"hour": 7, "minute": 52, "second": 52}
